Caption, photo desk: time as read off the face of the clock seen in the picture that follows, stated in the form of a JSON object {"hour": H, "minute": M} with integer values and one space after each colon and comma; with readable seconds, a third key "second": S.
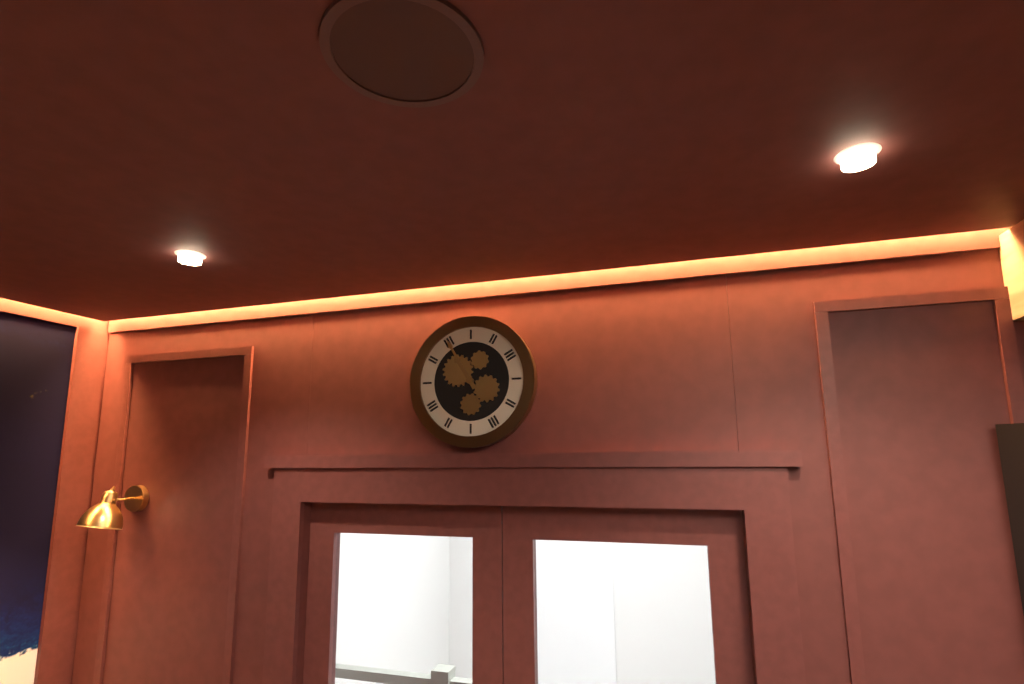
{"hour": 10, "minute": 55}
